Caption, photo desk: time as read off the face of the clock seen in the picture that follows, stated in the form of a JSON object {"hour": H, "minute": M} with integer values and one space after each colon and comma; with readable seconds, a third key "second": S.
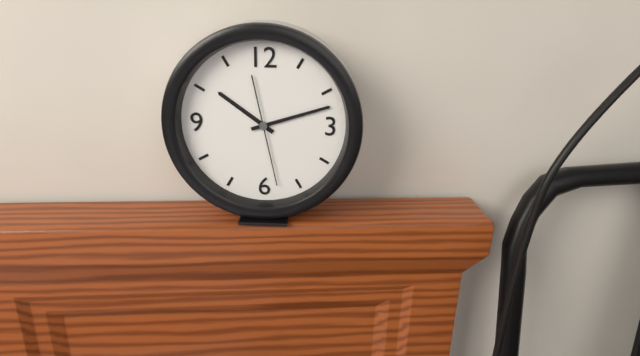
{"hour": 10, "minute": 12, "second": 28}
